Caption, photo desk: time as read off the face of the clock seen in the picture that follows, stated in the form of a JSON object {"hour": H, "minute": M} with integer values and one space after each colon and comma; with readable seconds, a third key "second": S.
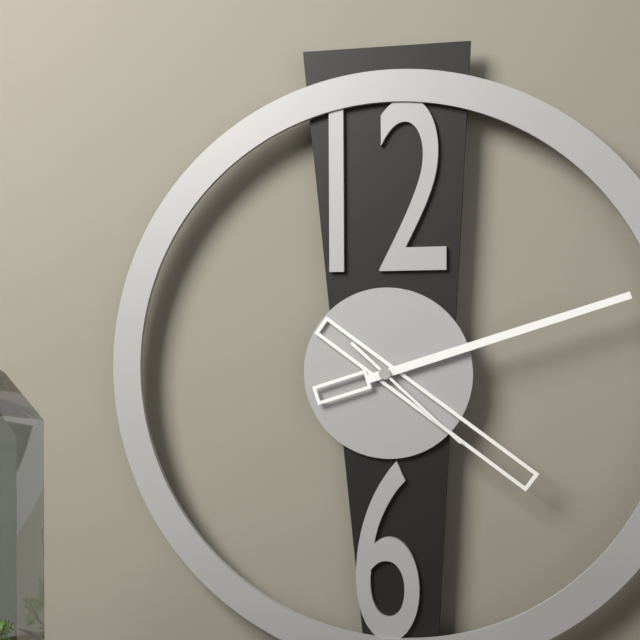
{"hour": 4, "minute": 12, "second": 22}
